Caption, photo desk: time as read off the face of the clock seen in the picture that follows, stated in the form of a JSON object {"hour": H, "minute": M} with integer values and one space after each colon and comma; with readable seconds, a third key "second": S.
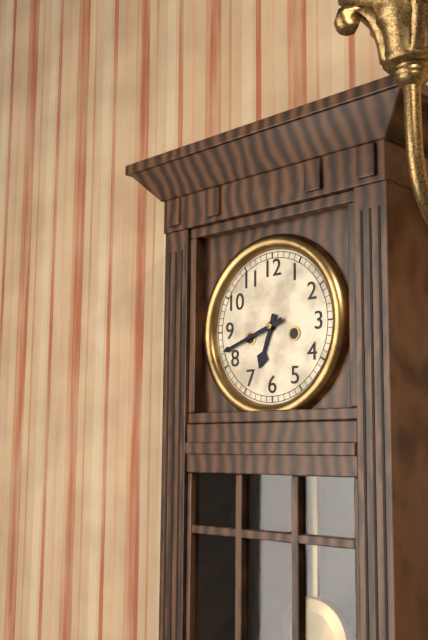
{"hour": 6, "minute": 42}
